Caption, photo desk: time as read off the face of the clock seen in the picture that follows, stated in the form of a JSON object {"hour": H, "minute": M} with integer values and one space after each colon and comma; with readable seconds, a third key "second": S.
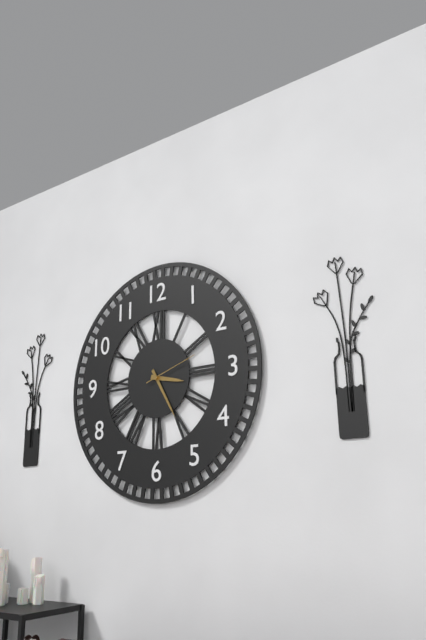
{"hour": 3, "minute": 25, "second": 12}
